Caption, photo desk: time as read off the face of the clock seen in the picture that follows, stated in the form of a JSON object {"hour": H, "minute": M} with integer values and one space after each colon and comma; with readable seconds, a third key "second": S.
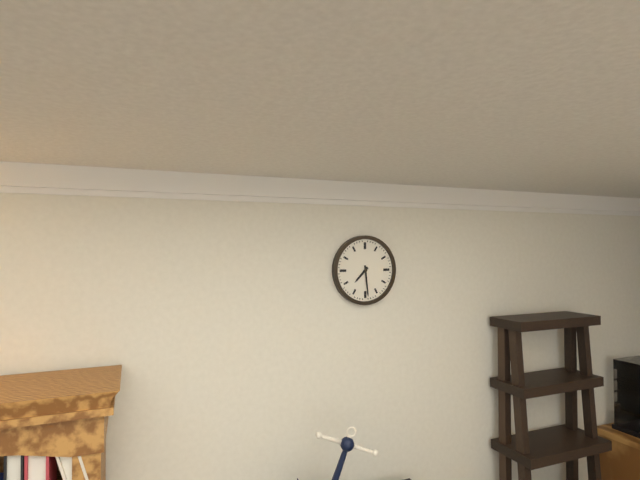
{"hour": 7, "minute": 29}
